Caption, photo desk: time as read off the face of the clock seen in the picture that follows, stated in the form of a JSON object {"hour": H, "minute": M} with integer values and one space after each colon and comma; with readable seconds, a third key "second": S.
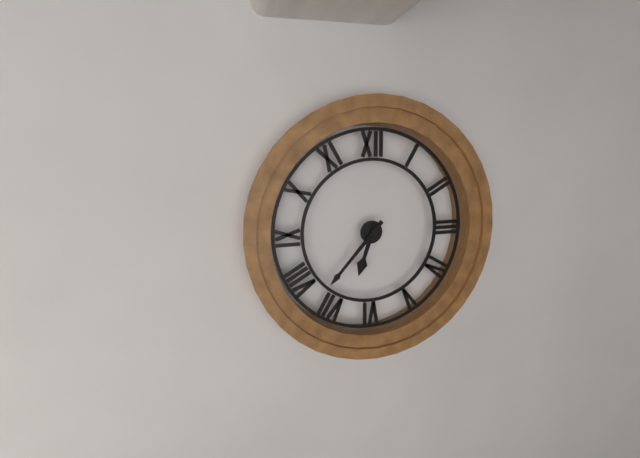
{"hour": 6, "minute": 37}
